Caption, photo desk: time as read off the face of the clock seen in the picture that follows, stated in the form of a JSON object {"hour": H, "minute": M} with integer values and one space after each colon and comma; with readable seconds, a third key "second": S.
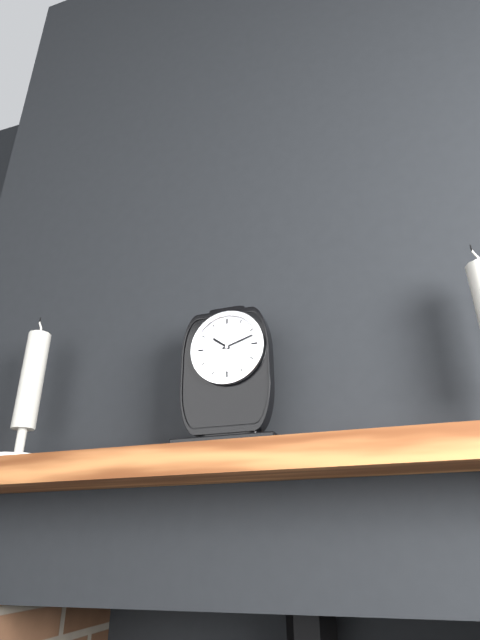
{"hour": 10, "minute": 12}
